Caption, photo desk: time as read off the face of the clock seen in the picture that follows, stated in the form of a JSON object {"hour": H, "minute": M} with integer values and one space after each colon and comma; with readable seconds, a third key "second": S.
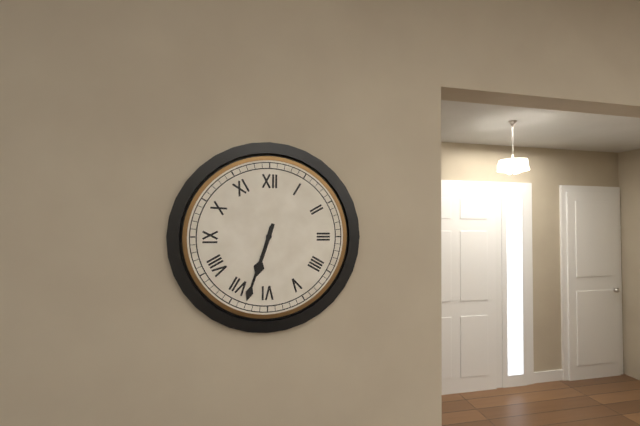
{"hour": 6, "minute": 33}
